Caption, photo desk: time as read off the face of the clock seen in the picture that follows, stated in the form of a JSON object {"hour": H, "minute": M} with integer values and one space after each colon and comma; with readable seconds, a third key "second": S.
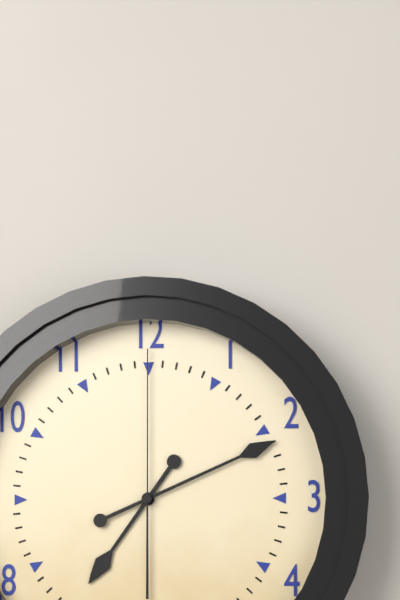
{"hour": 7, "minute": 11, "second": 0}
